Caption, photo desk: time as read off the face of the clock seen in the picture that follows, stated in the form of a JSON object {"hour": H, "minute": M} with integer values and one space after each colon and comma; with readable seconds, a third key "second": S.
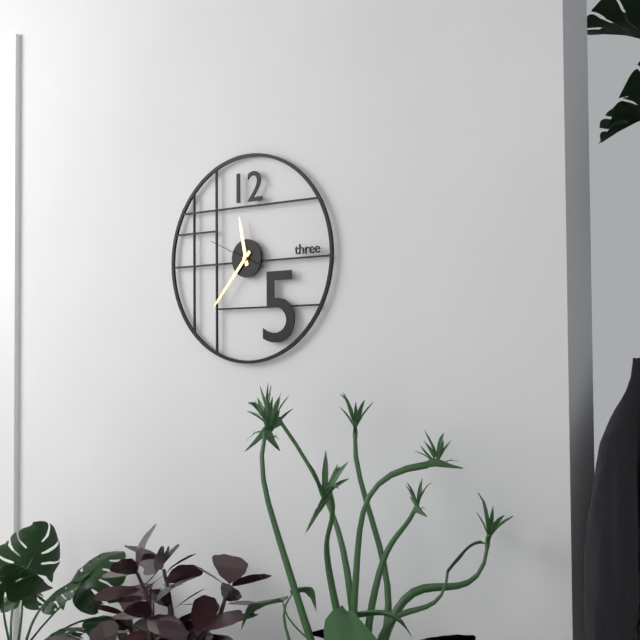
{"hour": 11, "minute": 37, "second": 49}
